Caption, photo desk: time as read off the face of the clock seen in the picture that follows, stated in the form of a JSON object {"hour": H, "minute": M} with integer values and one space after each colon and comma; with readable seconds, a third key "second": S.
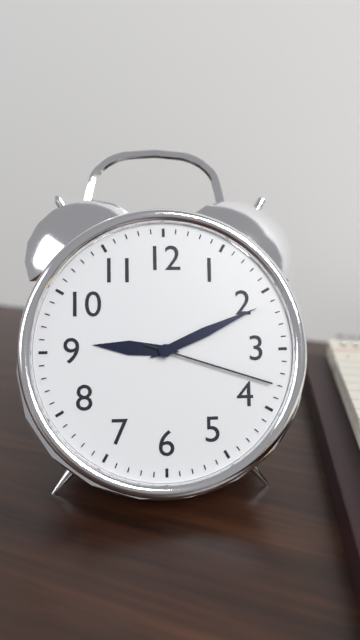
{"hour": 9, "minute": 11, "second": 18}
